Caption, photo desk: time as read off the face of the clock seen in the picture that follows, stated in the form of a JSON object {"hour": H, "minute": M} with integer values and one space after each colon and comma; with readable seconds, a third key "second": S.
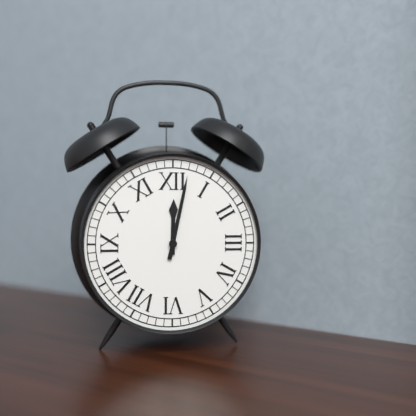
{"hour": 12, "minute": 2}
